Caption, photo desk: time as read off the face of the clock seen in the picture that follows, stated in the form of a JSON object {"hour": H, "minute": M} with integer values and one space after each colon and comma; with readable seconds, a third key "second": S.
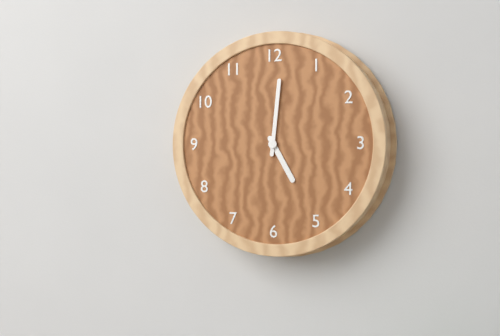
{"hour": 5, "minute": 1}
